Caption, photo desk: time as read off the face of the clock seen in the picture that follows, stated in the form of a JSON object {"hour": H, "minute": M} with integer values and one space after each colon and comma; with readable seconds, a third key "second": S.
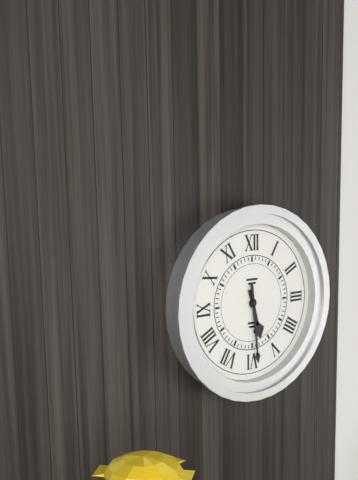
{"hour": 5, "minute": 29}
